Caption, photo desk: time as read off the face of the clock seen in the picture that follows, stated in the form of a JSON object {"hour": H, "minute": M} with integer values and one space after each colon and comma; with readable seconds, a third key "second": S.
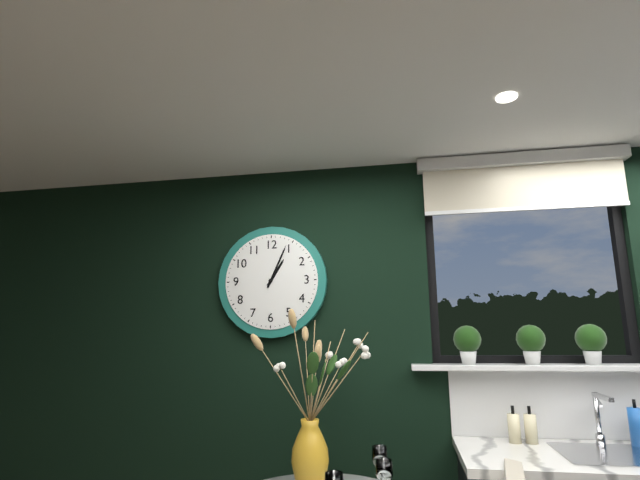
{"hour": 1, "minute": 4}
